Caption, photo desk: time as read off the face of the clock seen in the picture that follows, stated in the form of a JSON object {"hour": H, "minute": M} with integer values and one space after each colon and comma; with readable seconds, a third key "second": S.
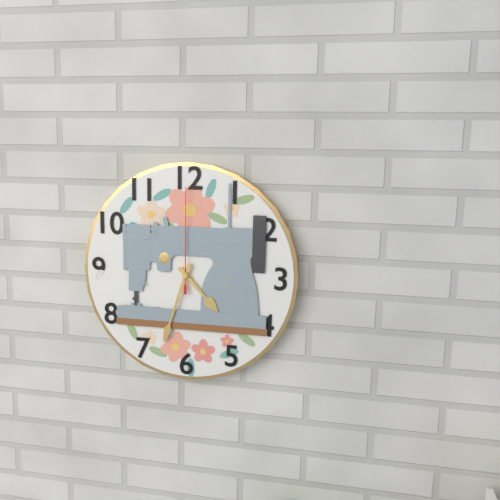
{"hour": 4, "minute": 33, "second": 0}
